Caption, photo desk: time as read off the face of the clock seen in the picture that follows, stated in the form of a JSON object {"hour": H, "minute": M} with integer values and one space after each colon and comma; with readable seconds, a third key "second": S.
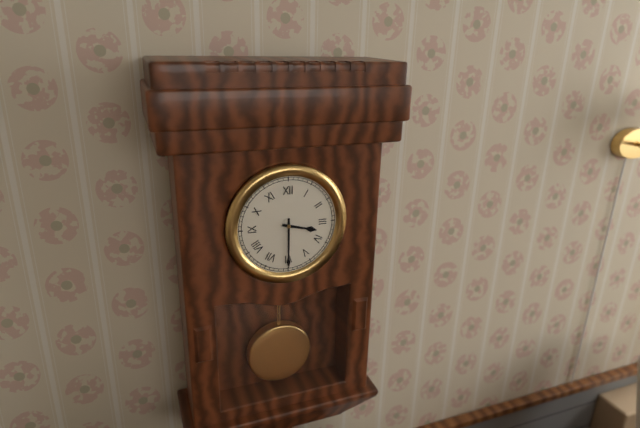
{"hour": 3, "minute": 30}
